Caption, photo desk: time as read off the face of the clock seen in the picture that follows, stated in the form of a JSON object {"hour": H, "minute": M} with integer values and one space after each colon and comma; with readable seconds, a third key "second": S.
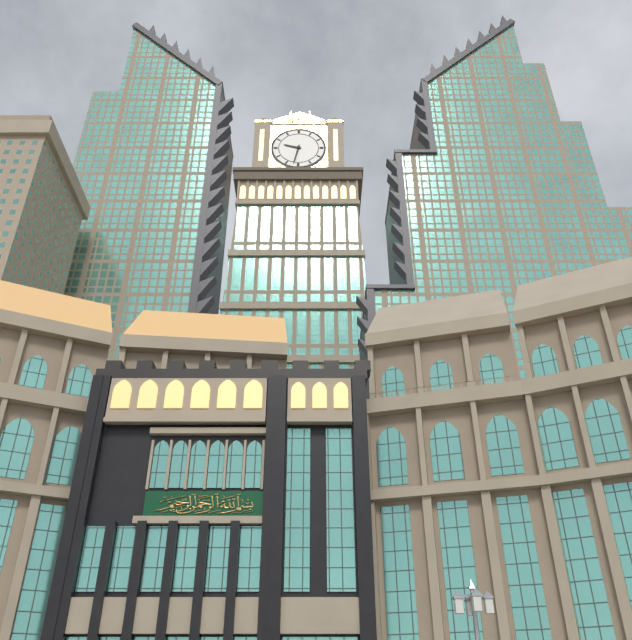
{"hour": 9, "minute": 32}
